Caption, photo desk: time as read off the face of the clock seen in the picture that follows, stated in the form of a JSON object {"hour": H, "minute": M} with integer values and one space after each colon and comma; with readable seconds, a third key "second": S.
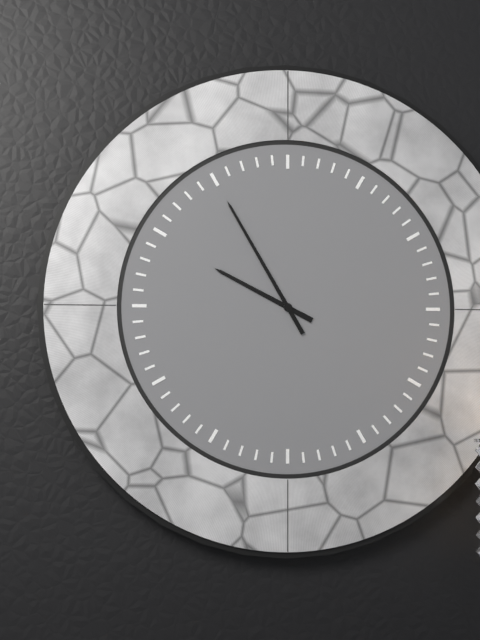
{"hour": 9, "minute": 55}
